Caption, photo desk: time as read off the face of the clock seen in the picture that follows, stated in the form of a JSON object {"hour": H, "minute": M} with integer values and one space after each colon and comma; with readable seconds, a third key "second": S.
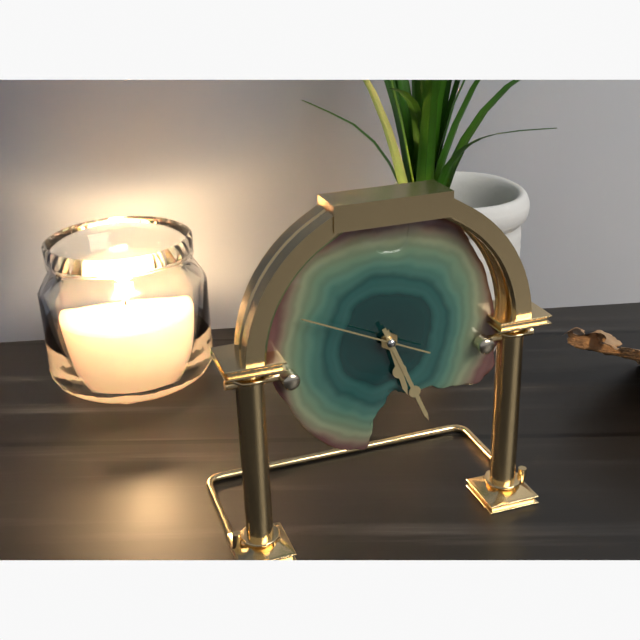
{"hour": 5, "minute": 26, "second": 49}
